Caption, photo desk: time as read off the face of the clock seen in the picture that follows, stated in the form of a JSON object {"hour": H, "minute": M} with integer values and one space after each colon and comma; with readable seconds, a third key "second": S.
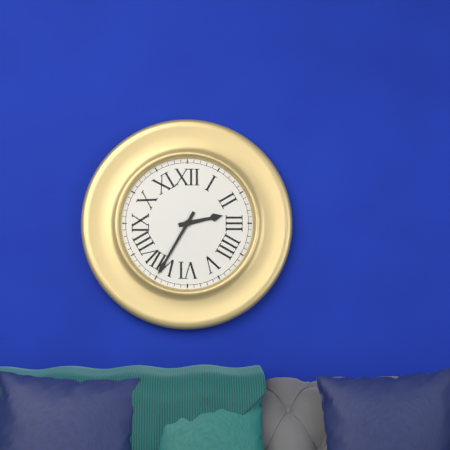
{"hour": 2, "minute": 35}
